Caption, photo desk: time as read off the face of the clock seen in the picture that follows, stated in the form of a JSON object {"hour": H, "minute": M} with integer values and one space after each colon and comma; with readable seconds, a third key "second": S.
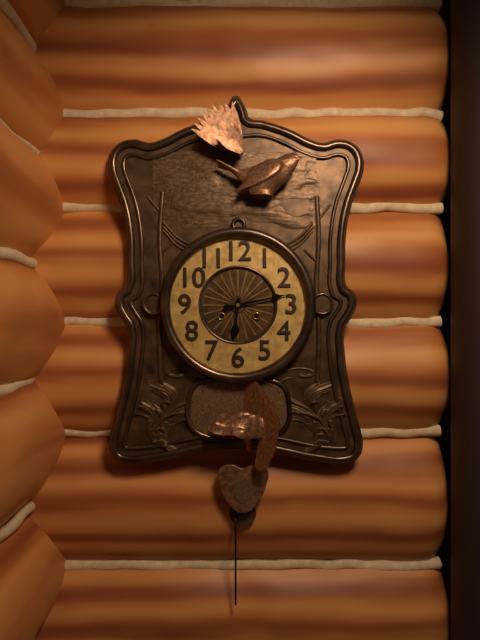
{"hour": 6, "minute": 13}
